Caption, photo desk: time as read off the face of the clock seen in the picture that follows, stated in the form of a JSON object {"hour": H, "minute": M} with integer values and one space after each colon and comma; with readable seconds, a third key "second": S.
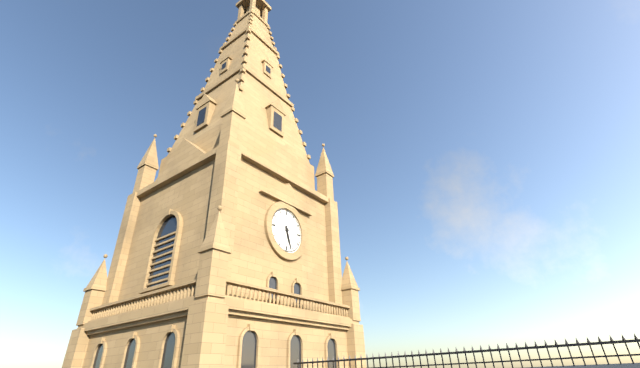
{"hour": 5, "minute": 27}
